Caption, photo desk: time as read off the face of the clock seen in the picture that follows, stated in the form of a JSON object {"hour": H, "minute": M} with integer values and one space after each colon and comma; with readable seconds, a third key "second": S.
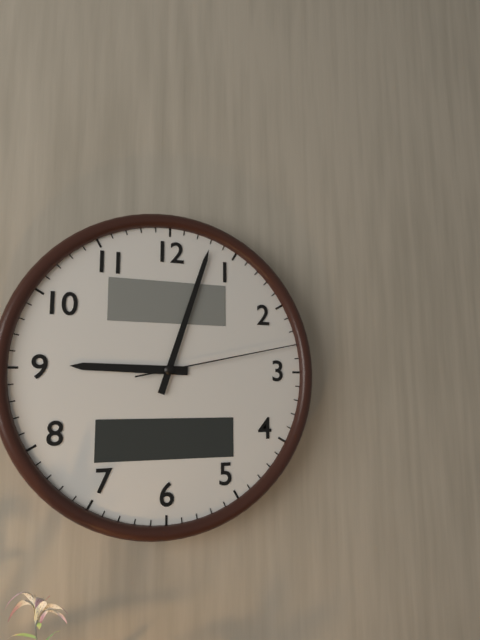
{"hour": 9, "minute": 3, "second": 13}
